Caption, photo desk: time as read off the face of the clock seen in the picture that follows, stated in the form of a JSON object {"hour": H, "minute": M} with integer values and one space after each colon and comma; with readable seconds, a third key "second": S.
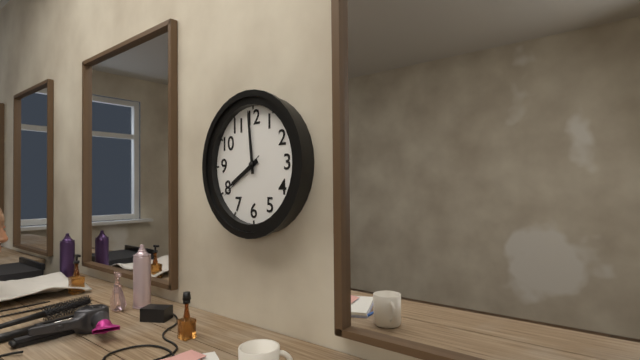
{"hour": 7, "minute": 59, "second": 39}
